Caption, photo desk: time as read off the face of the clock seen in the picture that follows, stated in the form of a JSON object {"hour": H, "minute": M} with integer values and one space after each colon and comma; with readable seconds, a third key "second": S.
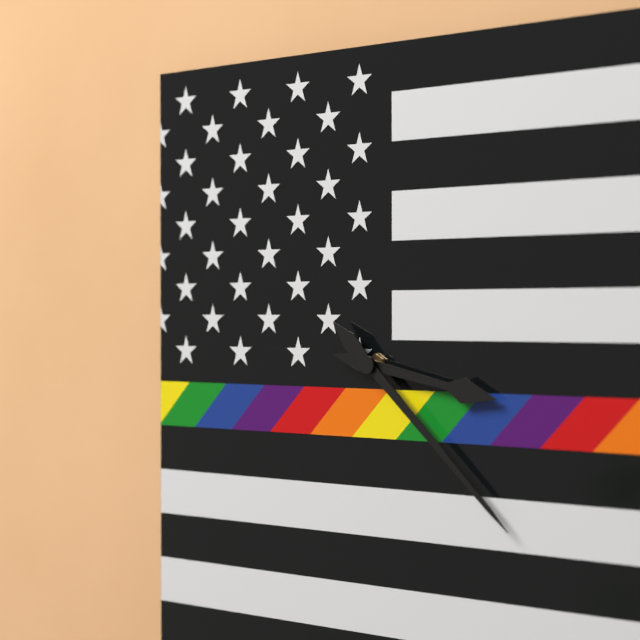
{"hour": 3, "minute": 22}
